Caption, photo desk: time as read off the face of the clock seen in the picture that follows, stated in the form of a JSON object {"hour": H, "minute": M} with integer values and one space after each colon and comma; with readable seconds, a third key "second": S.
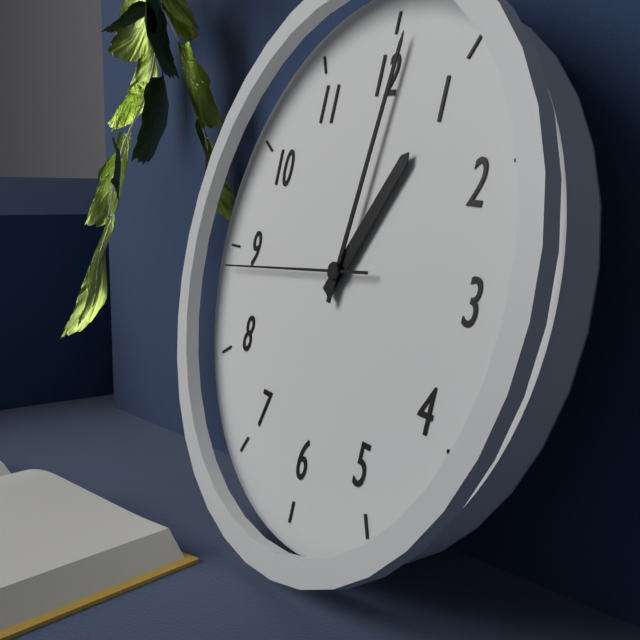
{"hour": 1, "minute": 1, "second": 44}
